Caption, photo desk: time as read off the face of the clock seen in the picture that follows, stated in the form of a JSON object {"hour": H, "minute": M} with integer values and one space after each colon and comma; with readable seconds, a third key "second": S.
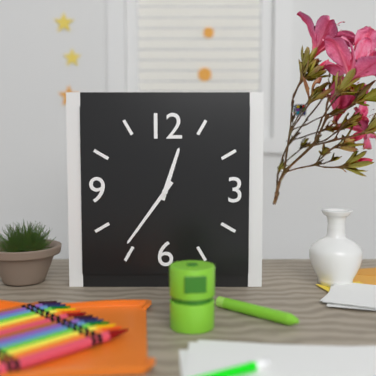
{"hour": 12, "minute": 36}
